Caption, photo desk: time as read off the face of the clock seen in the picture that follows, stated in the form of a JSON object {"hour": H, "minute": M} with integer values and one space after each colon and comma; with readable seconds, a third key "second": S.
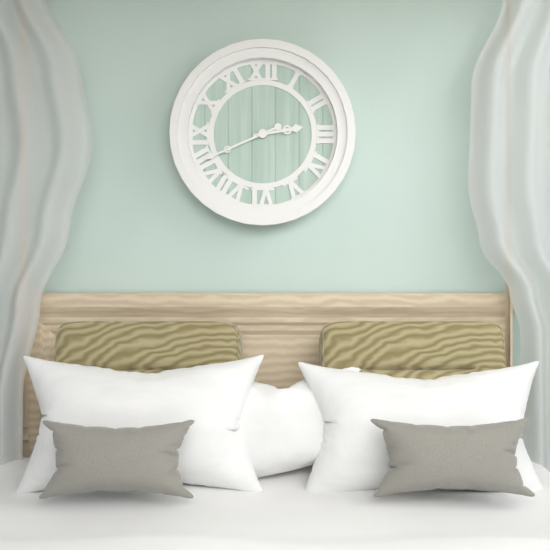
{"hour": 2, "minute": 41}
